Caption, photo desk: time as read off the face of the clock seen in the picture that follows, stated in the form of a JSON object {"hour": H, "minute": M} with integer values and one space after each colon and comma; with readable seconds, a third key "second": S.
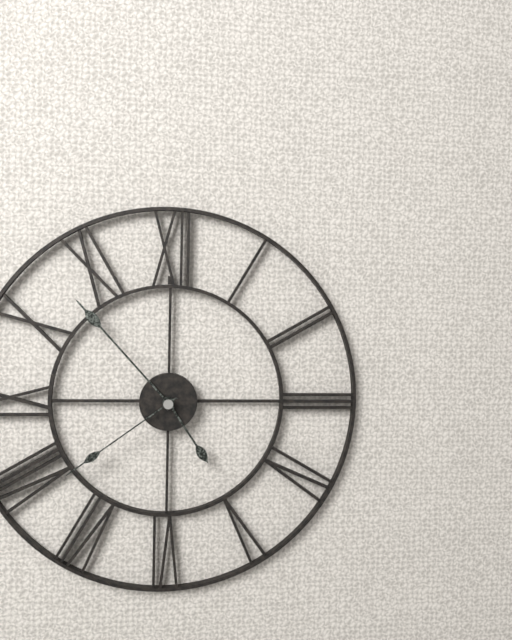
{"hour": 4, "minute": 53, "second": 39}
